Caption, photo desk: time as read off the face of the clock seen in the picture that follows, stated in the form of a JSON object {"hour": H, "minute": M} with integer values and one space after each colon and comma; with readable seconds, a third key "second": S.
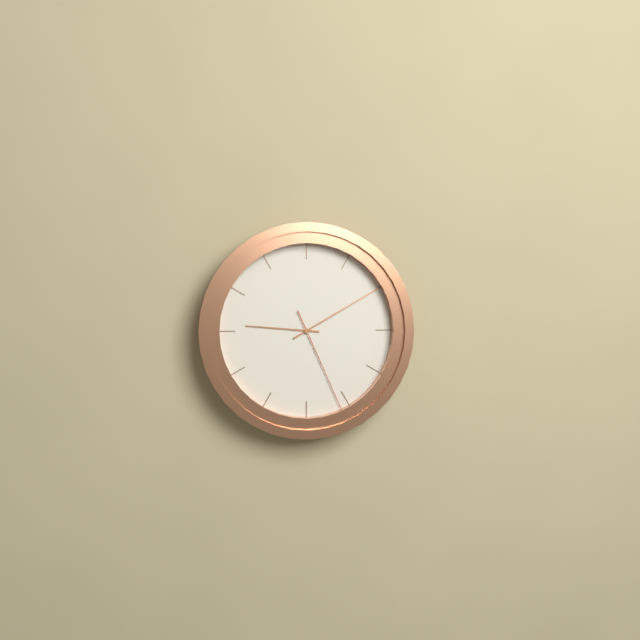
{"hour": 9, "minute": 10, "second": 26}
